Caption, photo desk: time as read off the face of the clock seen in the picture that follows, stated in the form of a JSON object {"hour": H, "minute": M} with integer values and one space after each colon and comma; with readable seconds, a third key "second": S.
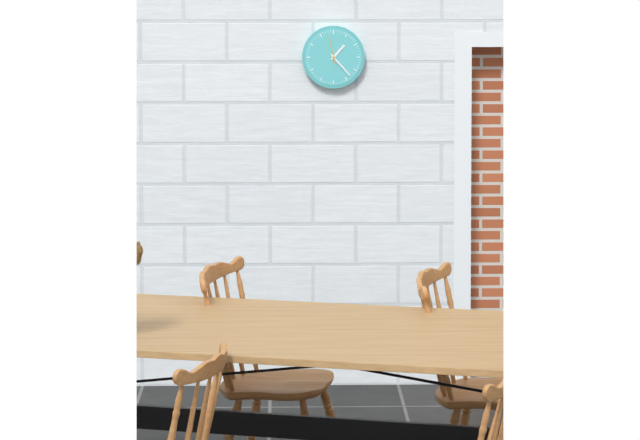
{"hour": 1, "minute": 23}
